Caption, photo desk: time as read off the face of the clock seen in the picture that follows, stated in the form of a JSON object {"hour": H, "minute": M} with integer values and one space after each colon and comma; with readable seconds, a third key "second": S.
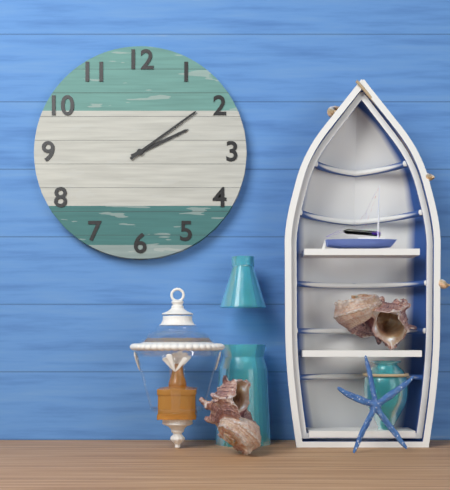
{"hour": 2, "minute": 9}
